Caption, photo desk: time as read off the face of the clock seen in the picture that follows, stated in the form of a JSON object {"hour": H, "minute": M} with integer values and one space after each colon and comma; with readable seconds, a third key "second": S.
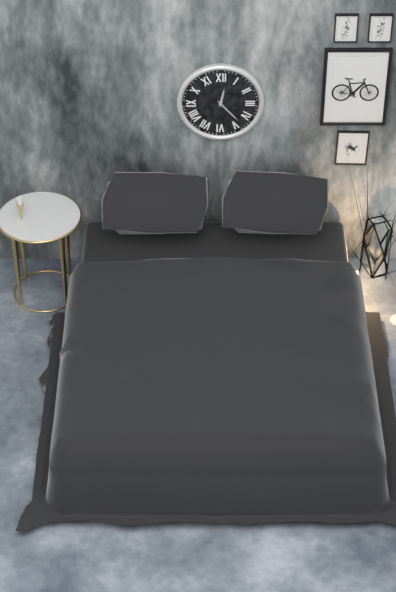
{"hour": 12, "minute": 23}
